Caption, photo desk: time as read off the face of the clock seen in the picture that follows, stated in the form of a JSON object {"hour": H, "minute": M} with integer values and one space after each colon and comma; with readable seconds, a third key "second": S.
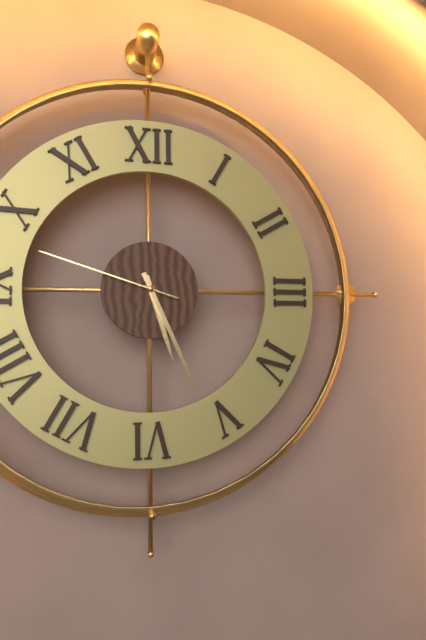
{"hour": 5, "minute": 26, "second": 48}
